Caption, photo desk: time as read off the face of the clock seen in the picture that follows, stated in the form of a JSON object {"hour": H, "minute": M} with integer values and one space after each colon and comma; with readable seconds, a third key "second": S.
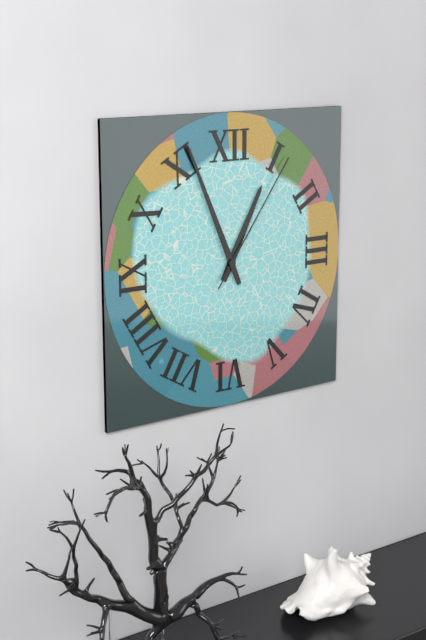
{"hour": 12, "minute": 56, "second": 6}
